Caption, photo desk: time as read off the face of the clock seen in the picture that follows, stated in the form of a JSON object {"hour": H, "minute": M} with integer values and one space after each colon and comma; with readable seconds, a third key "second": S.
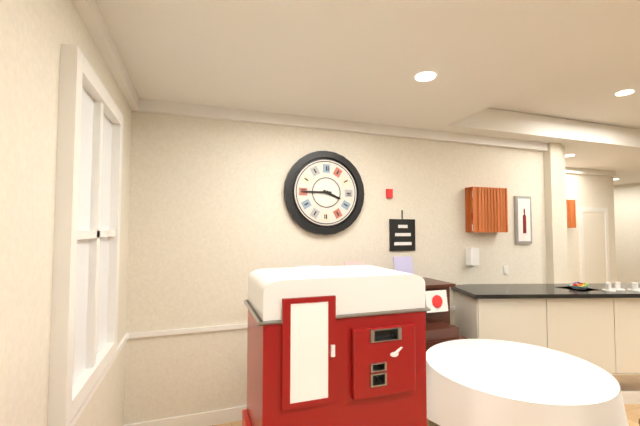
{"hour": 3, "minute": 45}
